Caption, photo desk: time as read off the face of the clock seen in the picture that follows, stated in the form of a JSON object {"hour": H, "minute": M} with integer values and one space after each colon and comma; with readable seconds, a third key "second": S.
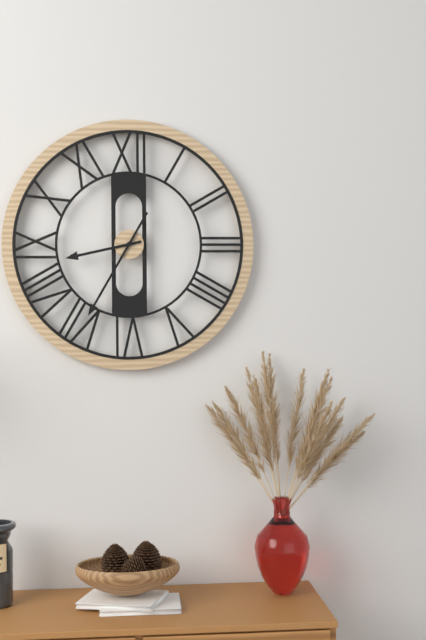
{"hour": 8, "minute": 35}
